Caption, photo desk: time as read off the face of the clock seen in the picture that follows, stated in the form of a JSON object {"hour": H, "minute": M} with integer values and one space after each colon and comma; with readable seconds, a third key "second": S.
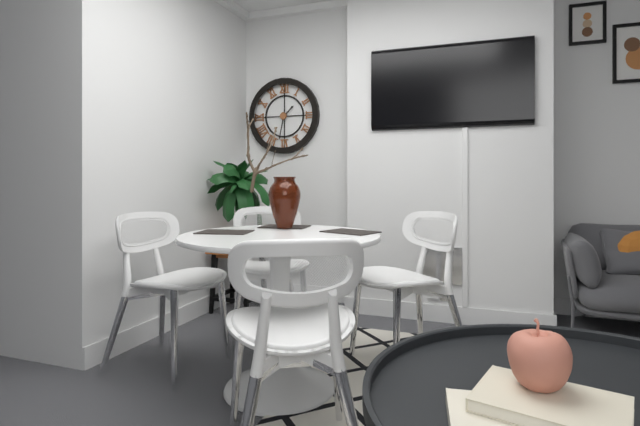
{"hour": 1, "minute": 32}
